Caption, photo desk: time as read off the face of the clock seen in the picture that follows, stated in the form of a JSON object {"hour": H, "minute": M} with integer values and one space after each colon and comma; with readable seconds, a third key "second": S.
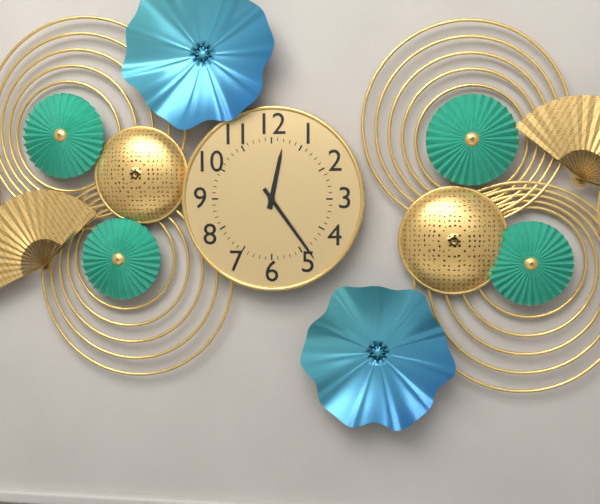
{"hour": 12, "minute": 24}
